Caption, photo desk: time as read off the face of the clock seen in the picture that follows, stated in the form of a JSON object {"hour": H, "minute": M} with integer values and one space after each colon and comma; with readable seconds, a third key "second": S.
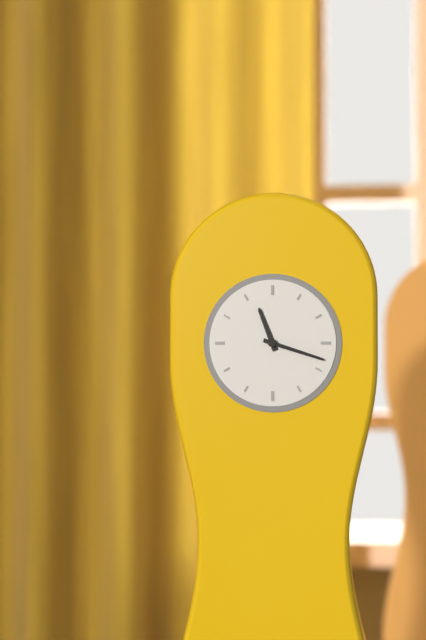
{"hour": 11, "minute": 18}
